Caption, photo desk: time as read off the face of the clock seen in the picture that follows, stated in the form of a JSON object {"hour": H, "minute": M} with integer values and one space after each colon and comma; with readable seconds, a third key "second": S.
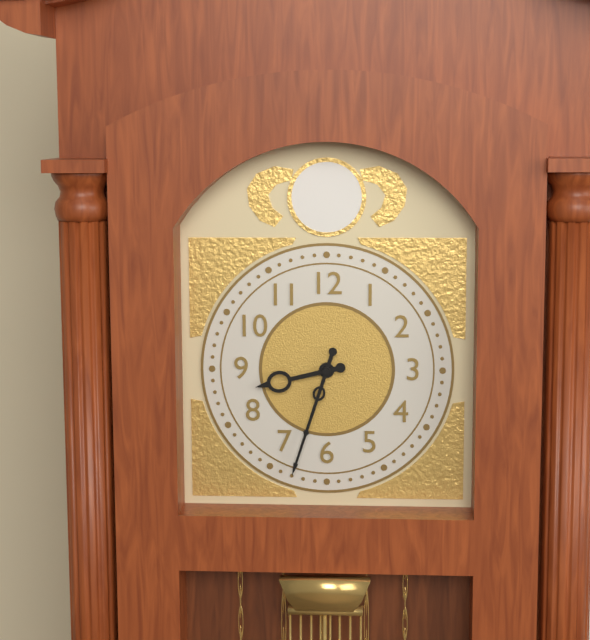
{"hour": 8, "minute": 33}
